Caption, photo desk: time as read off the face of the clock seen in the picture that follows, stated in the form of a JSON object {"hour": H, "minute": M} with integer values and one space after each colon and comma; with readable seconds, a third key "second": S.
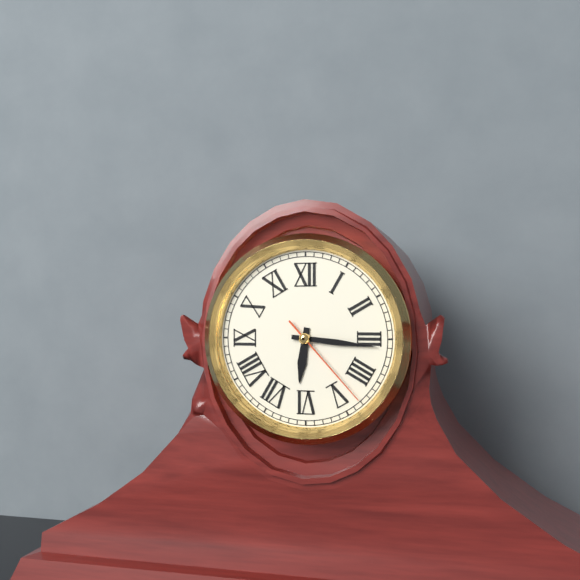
{"hour": 6, "minute": 16, "second": 23}
